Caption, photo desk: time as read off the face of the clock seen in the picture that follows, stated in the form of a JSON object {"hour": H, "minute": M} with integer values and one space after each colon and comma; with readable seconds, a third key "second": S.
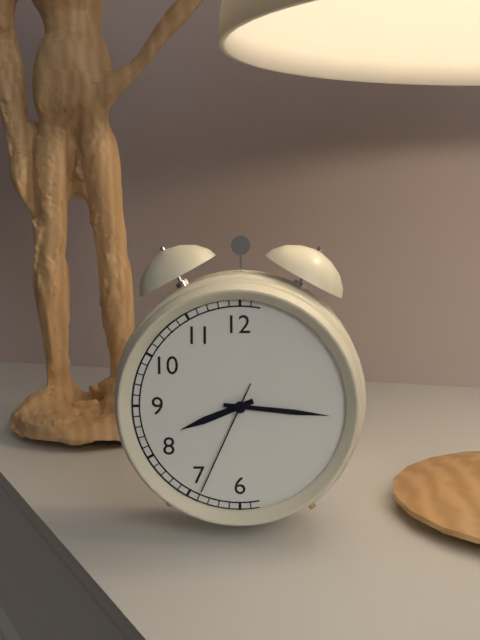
{"hour": 8, "minute": 16, "second": 34}
